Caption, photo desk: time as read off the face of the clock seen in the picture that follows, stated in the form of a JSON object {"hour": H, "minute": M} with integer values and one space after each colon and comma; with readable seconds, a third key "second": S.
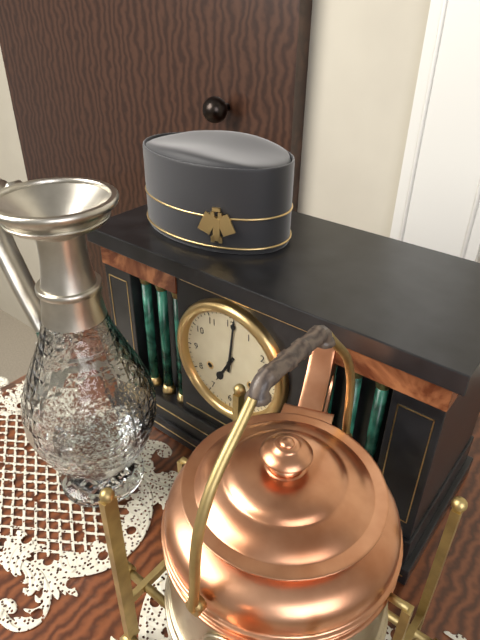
{"hour": 7, "minute": 1}
